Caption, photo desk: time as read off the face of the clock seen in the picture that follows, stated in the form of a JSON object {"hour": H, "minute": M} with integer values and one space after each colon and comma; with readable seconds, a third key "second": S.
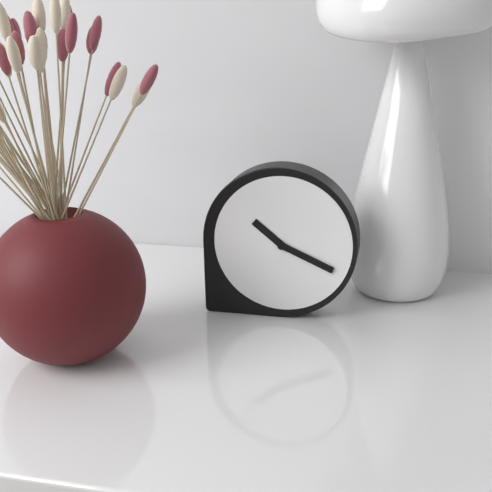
{"hour": 10, "minute": 19}
